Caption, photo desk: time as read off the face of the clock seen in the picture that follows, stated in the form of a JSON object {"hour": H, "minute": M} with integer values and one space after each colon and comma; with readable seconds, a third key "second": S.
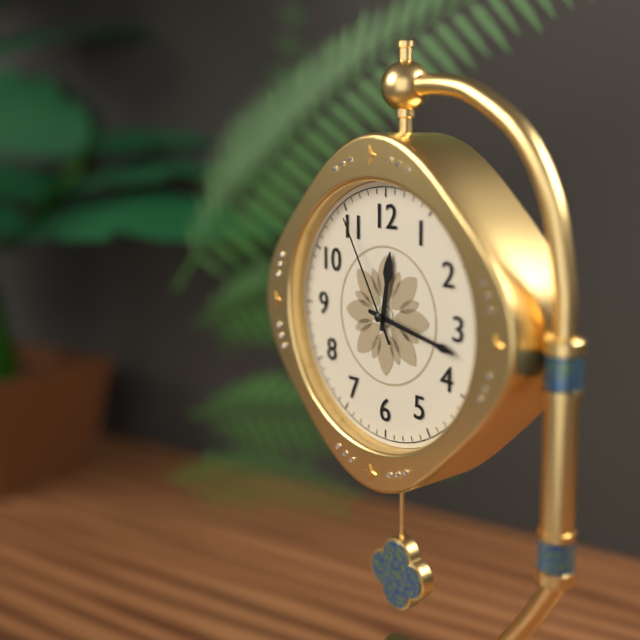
{"hour": 12, "minute": 17, "second": 55}
